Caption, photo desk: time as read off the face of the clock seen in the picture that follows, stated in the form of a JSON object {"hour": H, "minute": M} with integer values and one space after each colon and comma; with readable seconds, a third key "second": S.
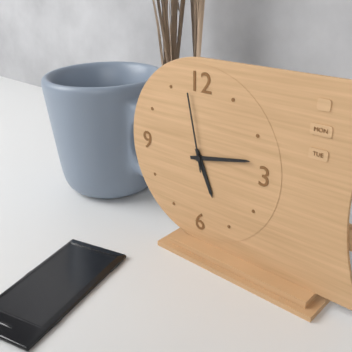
{"hour": 5, "minute": 13, "second": 58}
